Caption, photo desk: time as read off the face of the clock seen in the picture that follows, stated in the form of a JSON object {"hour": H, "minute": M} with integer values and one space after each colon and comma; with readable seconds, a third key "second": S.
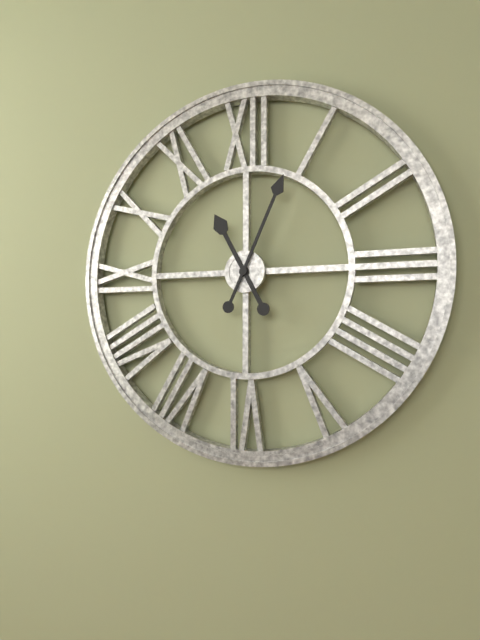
{"hour": 11, "minute": 4}
